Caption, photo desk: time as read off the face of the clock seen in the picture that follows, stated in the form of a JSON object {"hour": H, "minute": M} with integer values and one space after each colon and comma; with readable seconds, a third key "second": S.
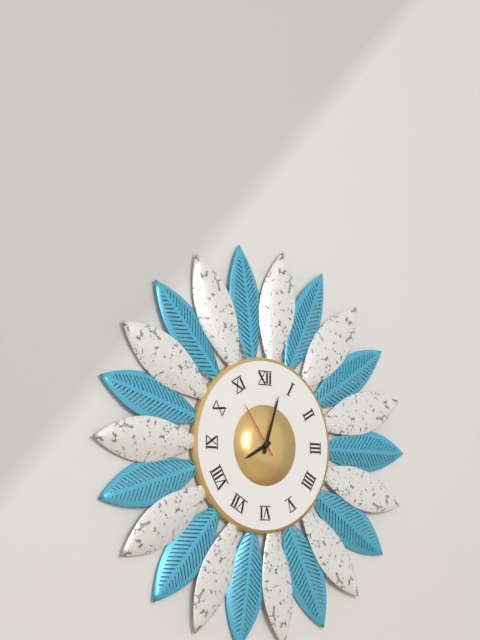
{"hour": 8, "minute": 3, "second": 54}
